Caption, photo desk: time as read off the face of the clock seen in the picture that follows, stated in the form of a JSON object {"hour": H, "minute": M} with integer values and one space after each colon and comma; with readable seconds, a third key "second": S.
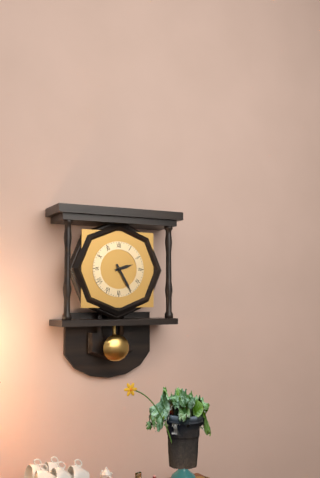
{"hour": 2, "minute": 25}
